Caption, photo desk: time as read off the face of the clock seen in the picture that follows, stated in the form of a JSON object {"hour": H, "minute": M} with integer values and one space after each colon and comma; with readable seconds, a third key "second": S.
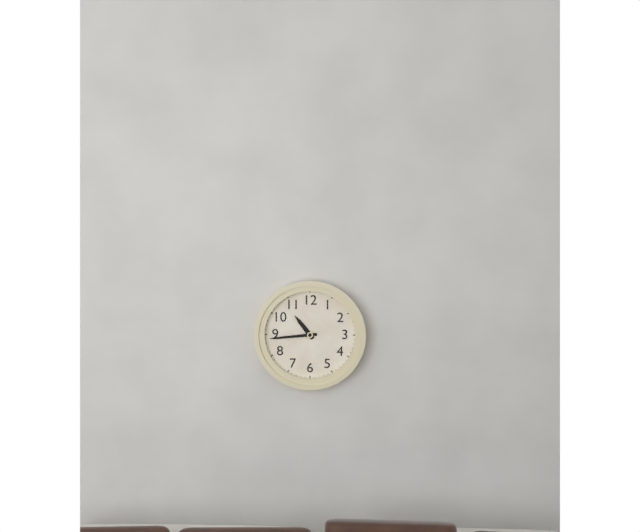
{"hour": 10, "minute": 44}
